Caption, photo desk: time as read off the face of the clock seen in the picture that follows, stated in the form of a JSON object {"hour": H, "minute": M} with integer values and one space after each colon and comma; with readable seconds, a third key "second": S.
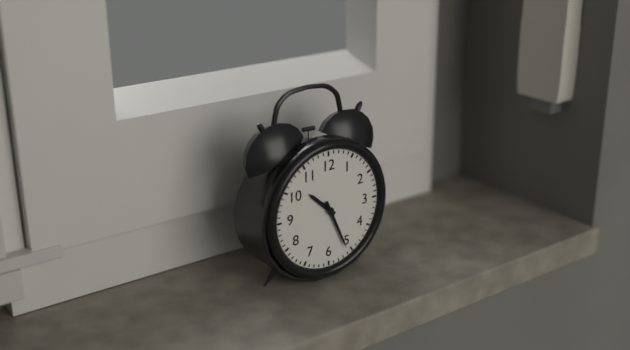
{"hour": 10, "minute": 26}
